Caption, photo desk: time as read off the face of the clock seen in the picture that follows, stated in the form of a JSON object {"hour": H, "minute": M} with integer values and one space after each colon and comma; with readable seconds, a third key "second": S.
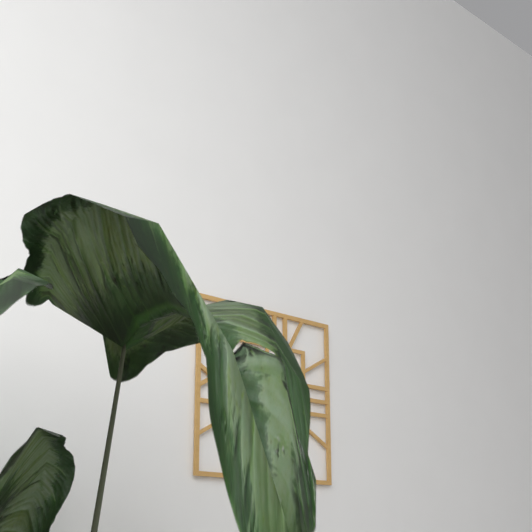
{"hour": 9, "minute": 10}
